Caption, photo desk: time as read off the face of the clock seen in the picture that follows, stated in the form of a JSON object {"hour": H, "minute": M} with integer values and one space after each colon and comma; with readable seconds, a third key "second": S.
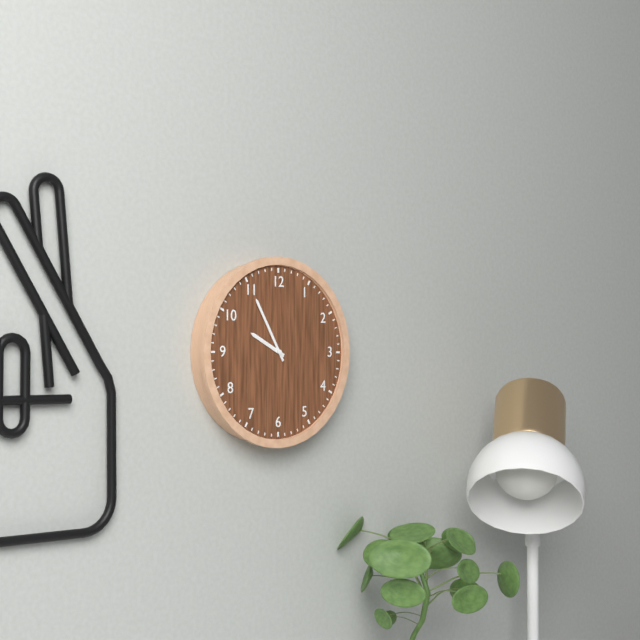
{"hour": 9, "minute": 55}
